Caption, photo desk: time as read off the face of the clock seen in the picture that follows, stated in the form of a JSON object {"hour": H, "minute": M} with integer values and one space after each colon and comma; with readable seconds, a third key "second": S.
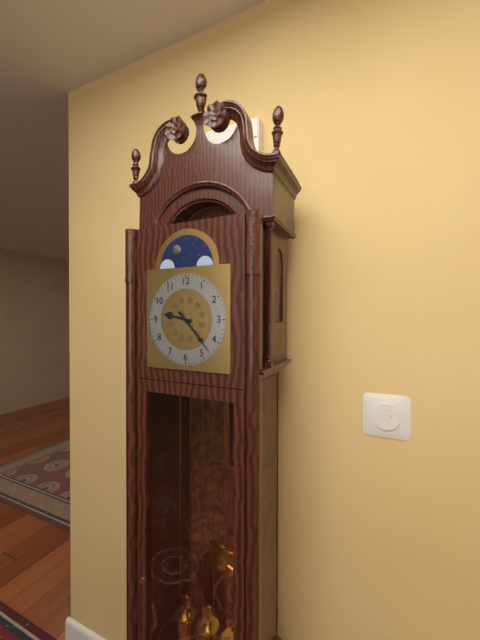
{"hour": 9, "minute": 23}
